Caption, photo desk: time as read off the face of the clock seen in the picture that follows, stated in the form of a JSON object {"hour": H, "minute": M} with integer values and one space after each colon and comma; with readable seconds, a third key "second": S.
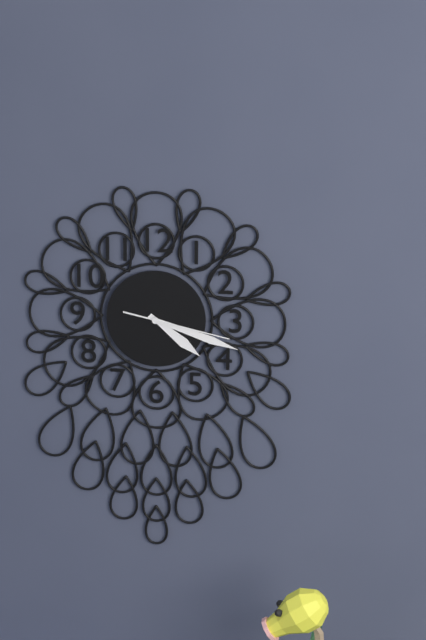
{"hour": 4, "minute": 18, "second": 17}
